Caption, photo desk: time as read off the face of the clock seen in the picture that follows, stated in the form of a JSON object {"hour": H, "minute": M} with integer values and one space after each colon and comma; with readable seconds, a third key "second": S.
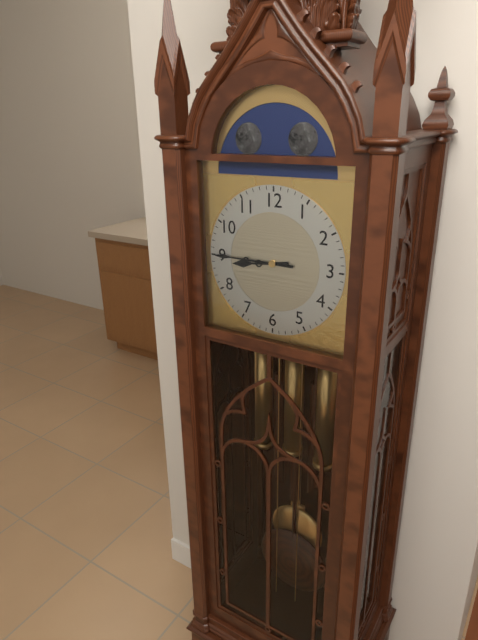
{"hour": 8, "minute": 45}
